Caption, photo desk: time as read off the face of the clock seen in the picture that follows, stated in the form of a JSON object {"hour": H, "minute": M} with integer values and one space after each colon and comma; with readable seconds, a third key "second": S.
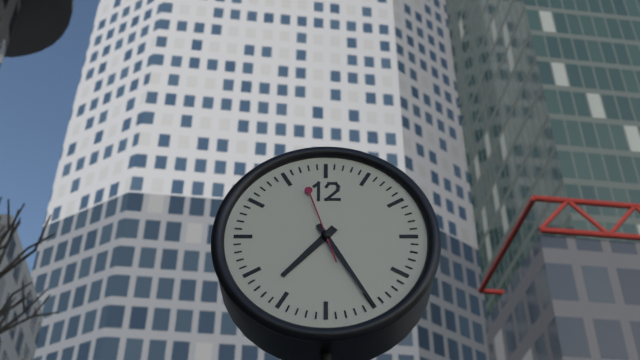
{"hour": 7, "minute": 25, "second": 57}
